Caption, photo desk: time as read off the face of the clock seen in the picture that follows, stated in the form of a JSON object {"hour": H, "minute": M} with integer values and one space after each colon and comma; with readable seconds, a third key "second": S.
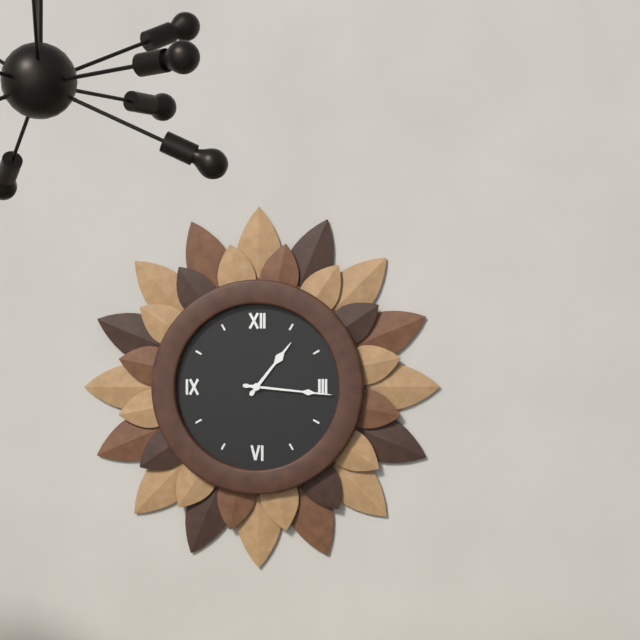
{"hour": 1, "minute": 16}
